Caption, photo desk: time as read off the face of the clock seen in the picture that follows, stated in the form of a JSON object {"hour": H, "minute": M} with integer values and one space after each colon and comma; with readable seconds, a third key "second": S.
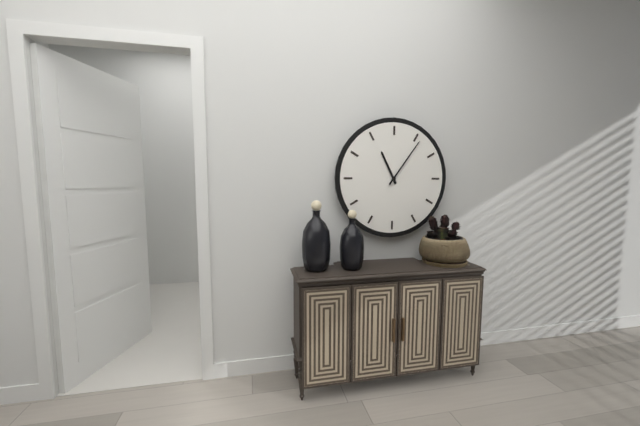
{"hour": 11, "minute": 6}
